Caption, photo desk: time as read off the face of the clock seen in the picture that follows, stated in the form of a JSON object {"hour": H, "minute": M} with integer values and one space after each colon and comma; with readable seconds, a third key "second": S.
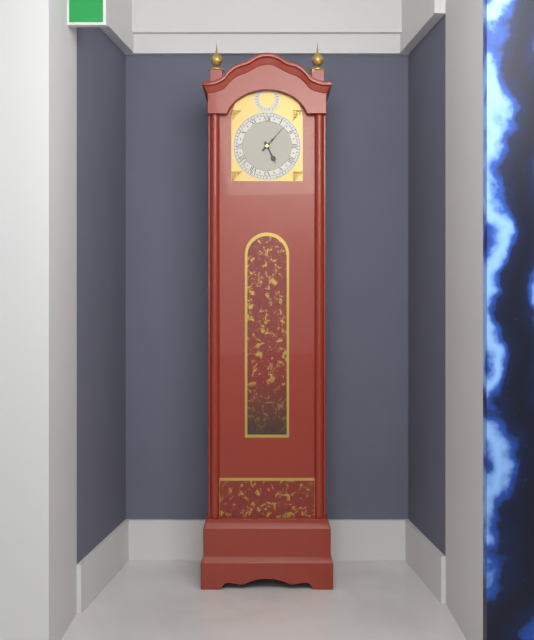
{"hour": 5, "minute": 7}
